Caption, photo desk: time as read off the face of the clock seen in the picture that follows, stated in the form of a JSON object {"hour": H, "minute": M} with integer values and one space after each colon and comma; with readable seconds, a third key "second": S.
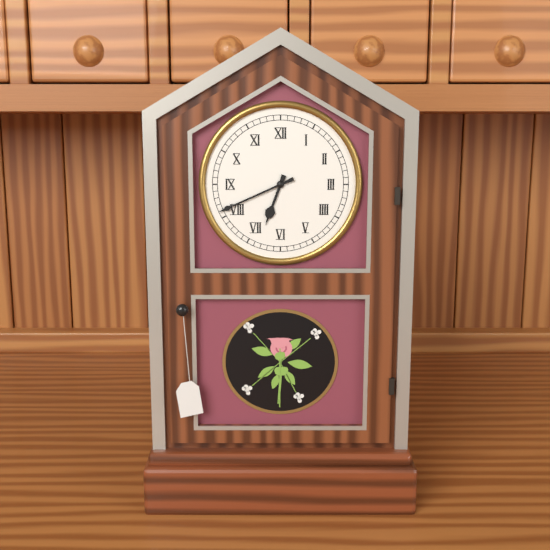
{"hour": 6, "minute": 41}
